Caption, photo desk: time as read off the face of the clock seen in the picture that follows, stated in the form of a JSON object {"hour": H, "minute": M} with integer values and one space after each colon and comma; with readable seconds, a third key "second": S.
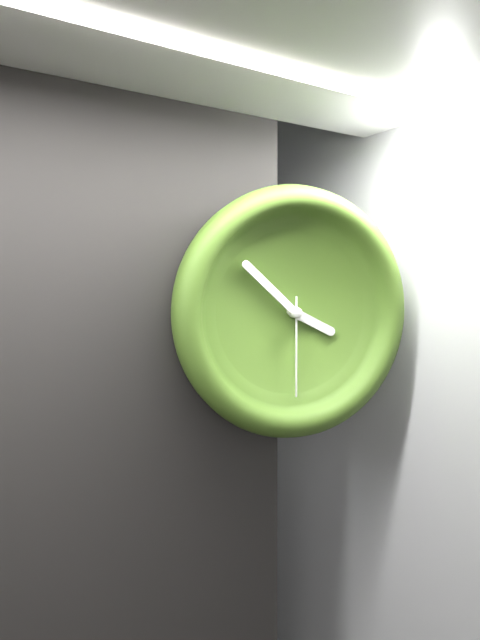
{"hour": 3, "minute": 52, "second": 30}
